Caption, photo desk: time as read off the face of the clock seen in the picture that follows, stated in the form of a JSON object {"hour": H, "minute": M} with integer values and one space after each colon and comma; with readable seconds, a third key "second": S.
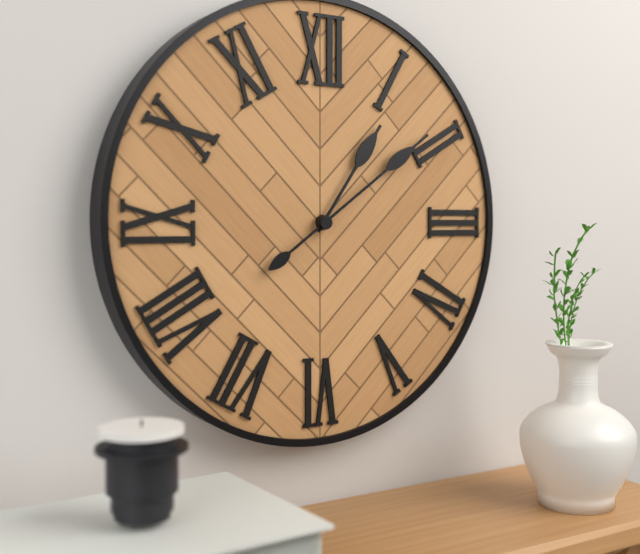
{"hour": 1, "minute": 9}
